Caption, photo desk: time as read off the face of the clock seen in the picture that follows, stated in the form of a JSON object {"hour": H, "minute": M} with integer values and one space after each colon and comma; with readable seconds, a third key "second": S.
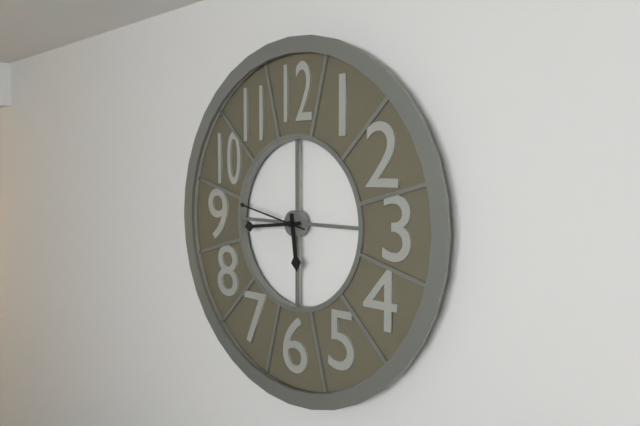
{"hour": 5, "minute": 44, "second": 47}
